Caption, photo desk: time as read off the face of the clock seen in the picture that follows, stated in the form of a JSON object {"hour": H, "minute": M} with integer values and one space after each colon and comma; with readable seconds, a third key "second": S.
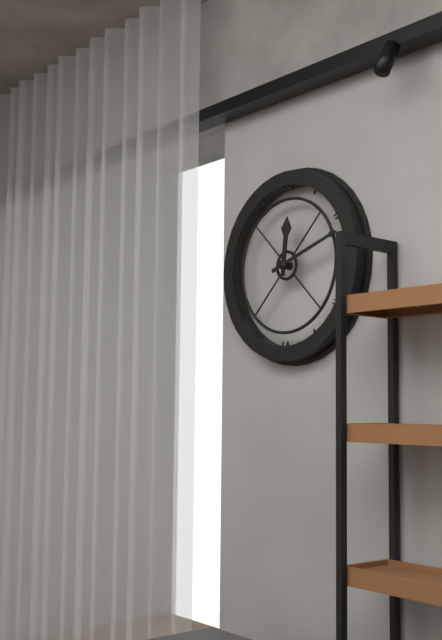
{"hour": 12, "minute": 12}
